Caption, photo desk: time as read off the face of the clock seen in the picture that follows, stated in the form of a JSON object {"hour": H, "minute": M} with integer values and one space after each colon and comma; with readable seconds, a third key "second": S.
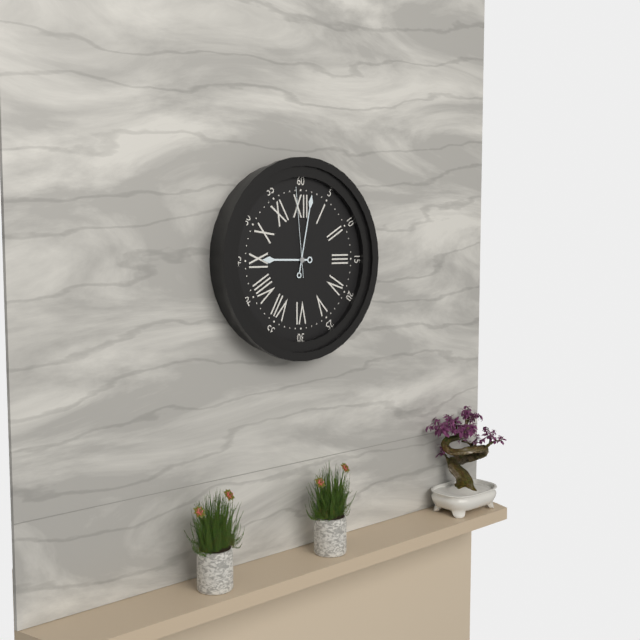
{"hour": 9, "minute": 2, "second": 59}
